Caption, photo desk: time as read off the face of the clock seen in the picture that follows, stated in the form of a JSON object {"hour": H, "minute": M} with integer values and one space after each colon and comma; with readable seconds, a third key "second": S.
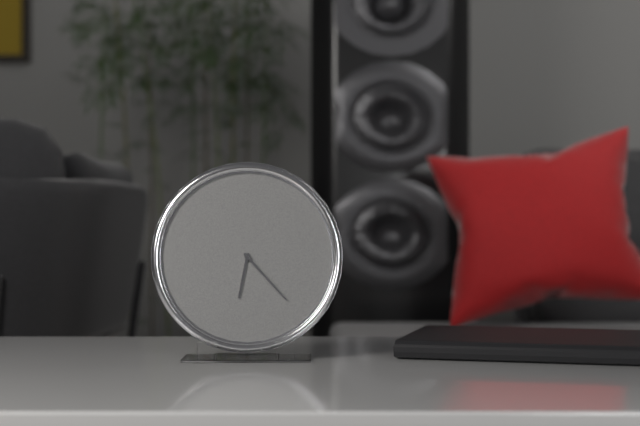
{"hour": 6, "minute": 23}
